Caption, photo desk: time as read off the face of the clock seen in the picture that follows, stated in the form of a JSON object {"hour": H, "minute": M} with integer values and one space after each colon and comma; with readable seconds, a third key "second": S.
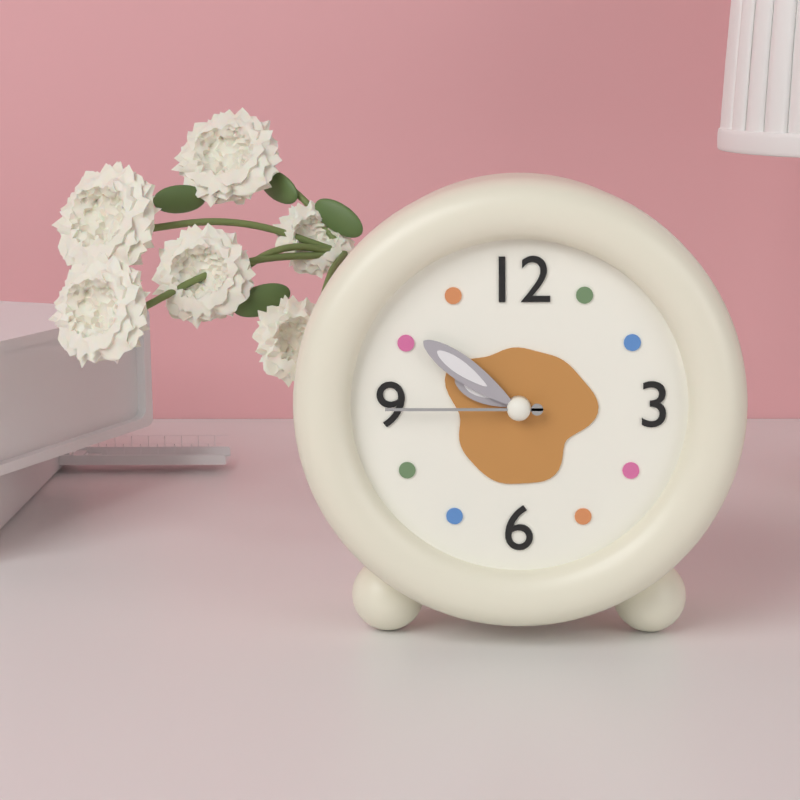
{"hour": 9, "minute": 51, "second": 45}
